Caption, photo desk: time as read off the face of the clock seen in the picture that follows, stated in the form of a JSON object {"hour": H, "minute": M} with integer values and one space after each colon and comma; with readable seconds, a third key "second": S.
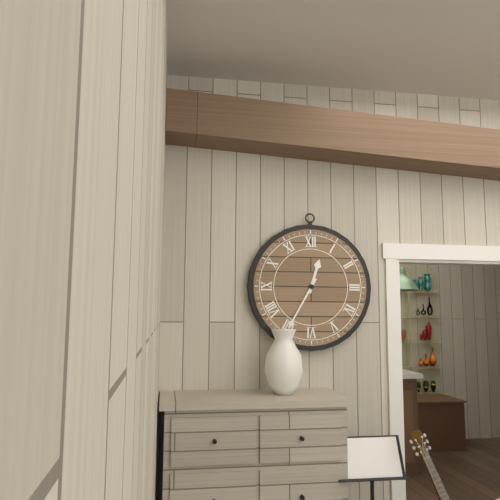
{"hour": 12, "minute": 35}
